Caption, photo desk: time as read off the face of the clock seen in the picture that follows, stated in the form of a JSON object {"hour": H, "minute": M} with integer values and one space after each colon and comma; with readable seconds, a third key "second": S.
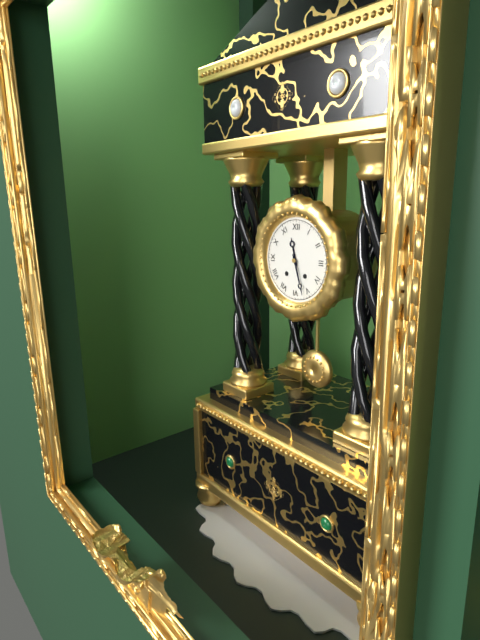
{"hour": 11, "minute": 27}
